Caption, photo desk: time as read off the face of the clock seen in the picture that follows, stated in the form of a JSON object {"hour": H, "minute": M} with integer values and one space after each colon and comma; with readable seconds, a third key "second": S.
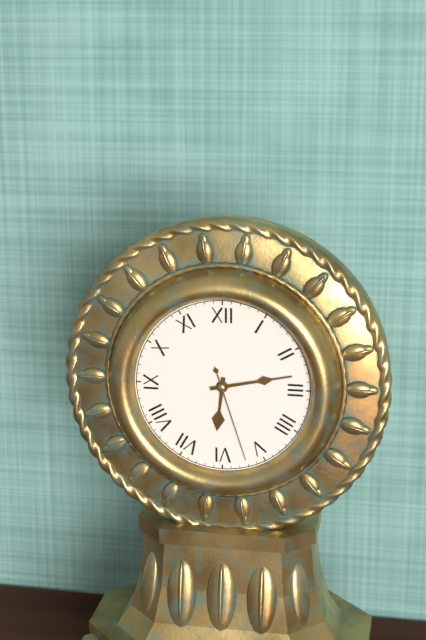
{"hour": 6, "minute": 13, "second": 27}
